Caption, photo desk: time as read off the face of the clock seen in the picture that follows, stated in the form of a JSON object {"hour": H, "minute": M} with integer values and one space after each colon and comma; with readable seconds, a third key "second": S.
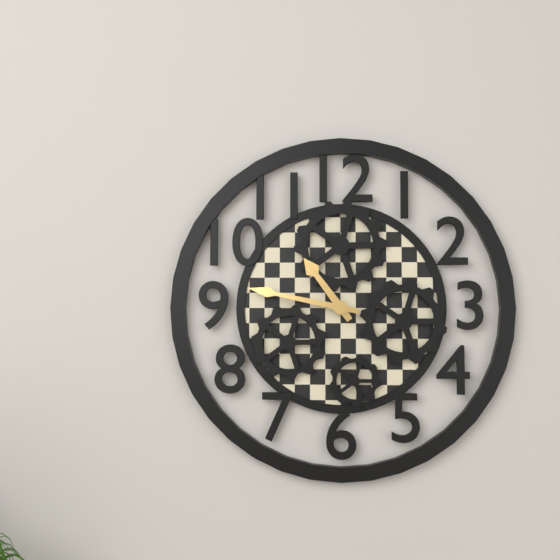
{"hour": 10, "minute": 47}
